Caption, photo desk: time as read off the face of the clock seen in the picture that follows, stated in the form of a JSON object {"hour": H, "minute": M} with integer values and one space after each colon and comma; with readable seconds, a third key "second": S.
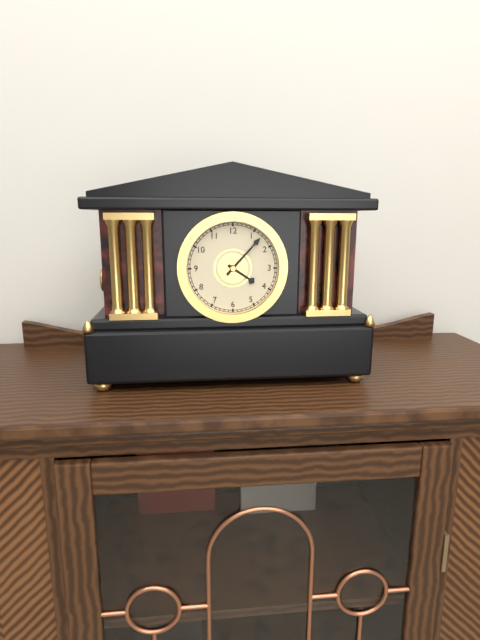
{"hour": 4, "minute": 7}
